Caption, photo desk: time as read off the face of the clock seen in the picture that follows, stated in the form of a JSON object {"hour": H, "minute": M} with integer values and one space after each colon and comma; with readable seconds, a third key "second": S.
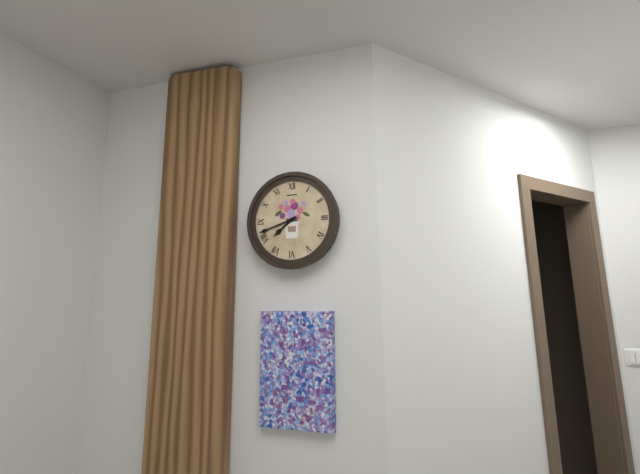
{"hour": 7, "minute": 42}
